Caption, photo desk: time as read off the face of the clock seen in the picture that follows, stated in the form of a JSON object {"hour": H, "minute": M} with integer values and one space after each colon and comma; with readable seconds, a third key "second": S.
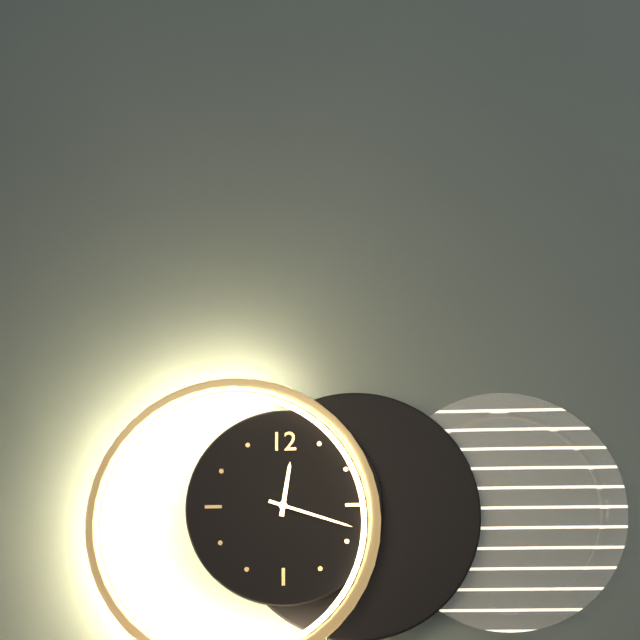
{"hour": 12, "minute": 18}
